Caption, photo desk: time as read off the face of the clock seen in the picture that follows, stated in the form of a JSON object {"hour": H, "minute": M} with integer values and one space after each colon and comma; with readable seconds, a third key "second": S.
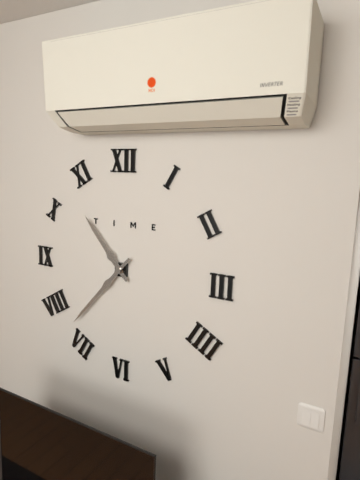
{"hour": 10, "minute": 37}
